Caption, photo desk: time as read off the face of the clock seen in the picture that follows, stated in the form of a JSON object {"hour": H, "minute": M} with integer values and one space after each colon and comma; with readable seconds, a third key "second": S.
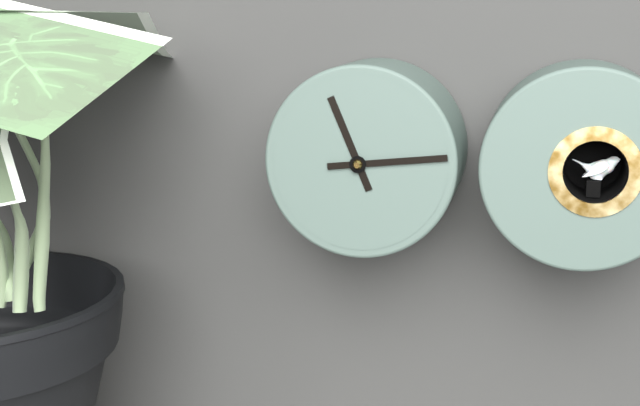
{"hour": 11, "minute": 14}
